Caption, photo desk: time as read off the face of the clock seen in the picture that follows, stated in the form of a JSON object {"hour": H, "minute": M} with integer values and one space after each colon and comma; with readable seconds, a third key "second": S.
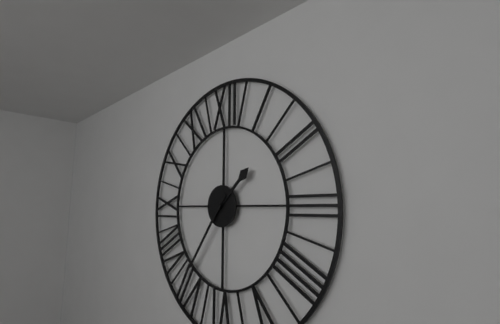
{"hour": 1, "minute": 36}
